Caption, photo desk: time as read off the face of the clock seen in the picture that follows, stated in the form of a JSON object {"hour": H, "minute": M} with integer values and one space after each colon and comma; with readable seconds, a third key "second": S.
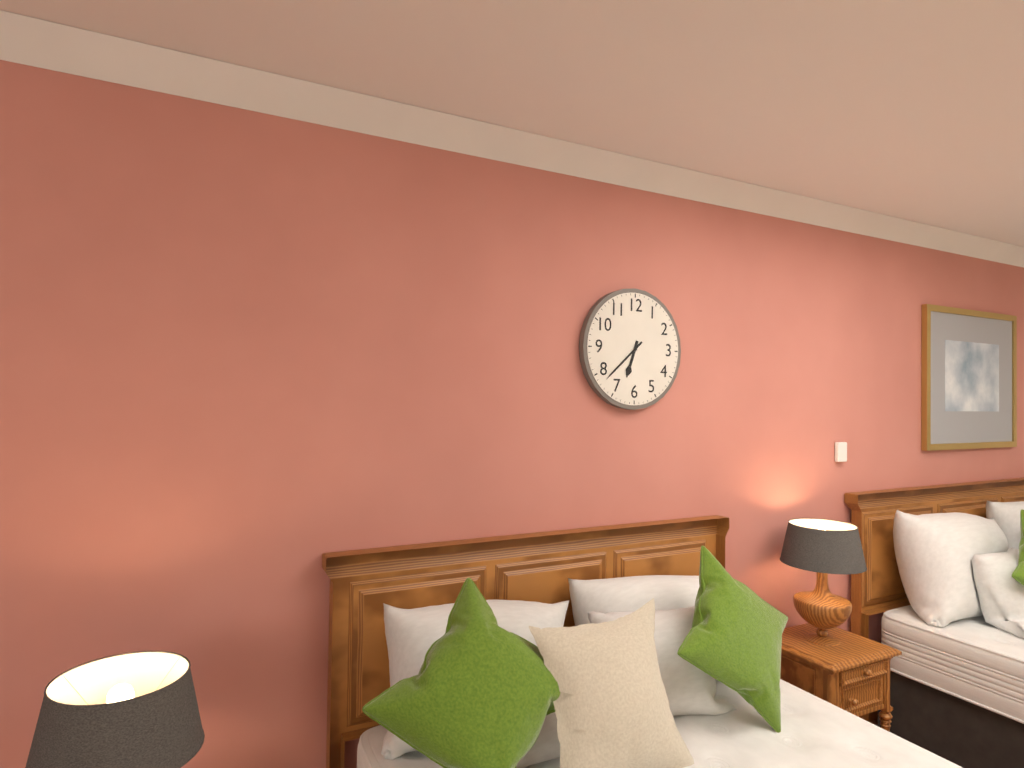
{"hour": 6, "minute": 38}
